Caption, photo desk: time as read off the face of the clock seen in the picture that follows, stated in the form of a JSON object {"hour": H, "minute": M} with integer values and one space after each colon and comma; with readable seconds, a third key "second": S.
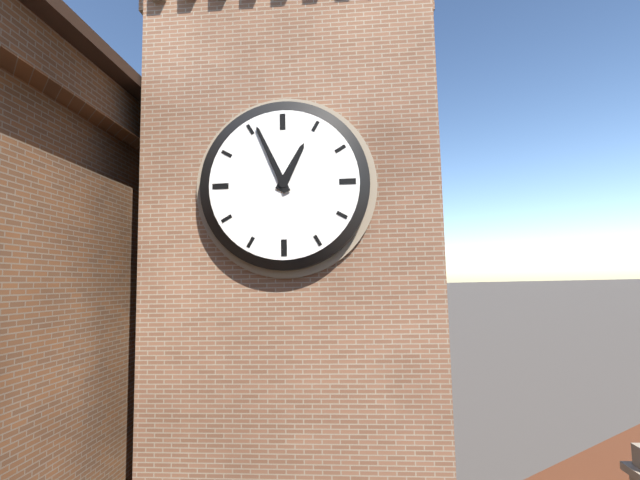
{"hour": 12, "minute": 56}
